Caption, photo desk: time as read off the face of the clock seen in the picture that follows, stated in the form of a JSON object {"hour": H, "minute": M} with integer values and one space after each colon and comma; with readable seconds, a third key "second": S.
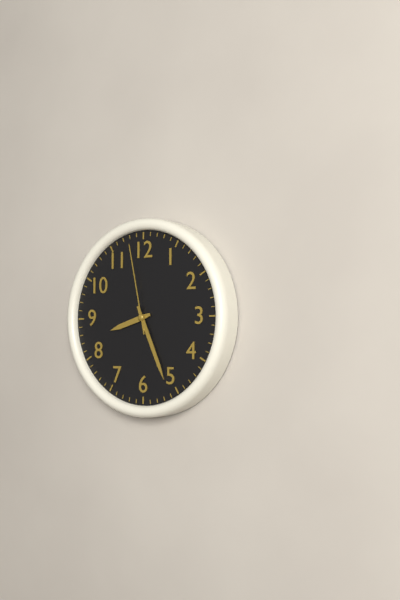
{"hour": 8, "minute": 26, "second": 58}
